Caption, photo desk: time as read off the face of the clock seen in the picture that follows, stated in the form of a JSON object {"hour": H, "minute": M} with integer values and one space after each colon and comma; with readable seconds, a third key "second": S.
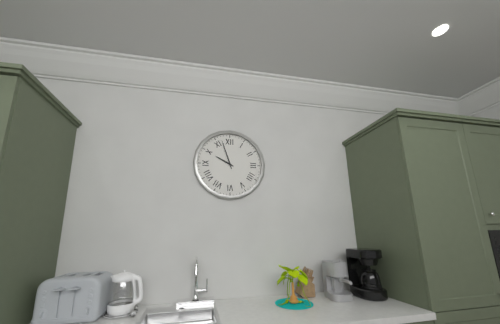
{"hour": 9, "minute": 57}
